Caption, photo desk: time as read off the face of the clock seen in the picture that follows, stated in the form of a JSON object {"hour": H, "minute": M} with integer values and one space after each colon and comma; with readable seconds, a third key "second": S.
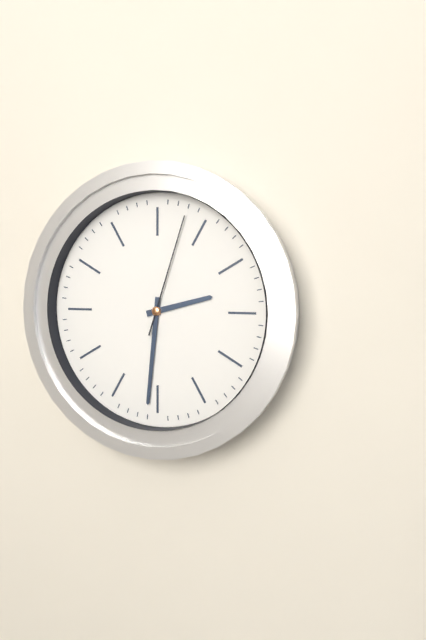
{"hour": 2, "minute": 31, "second": 3}
